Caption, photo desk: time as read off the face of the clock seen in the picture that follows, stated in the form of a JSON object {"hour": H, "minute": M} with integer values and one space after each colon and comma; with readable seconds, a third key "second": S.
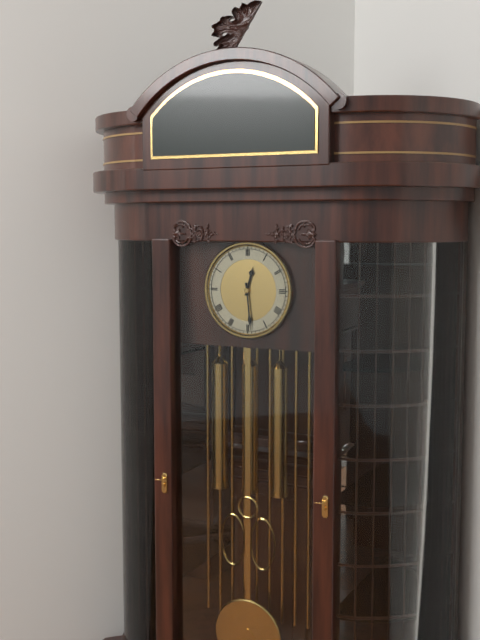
{"hour": 12, "minute": 29}
